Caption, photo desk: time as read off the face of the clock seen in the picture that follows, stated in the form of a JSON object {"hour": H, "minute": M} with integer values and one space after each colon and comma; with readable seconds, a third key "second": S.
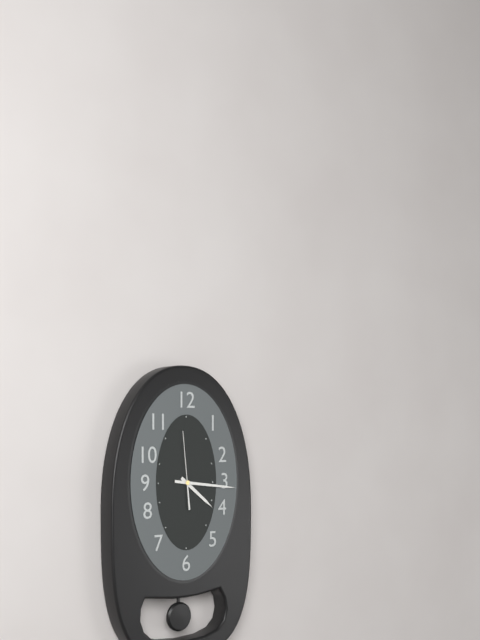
{"hour": 4, "minute": 16, "second": 59}
